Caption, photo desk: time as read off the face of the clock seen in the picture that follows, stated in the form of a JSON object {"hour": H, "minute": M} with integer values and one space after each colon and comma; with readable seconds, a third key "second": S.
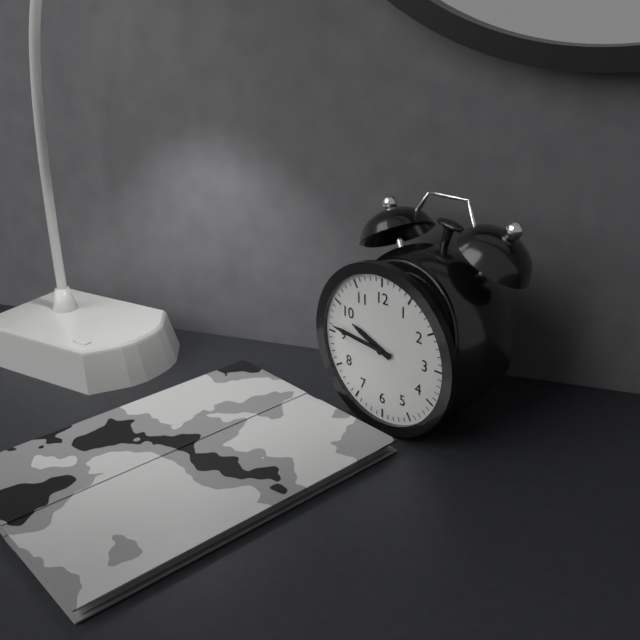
{"hour": 9, "minute": 46}
